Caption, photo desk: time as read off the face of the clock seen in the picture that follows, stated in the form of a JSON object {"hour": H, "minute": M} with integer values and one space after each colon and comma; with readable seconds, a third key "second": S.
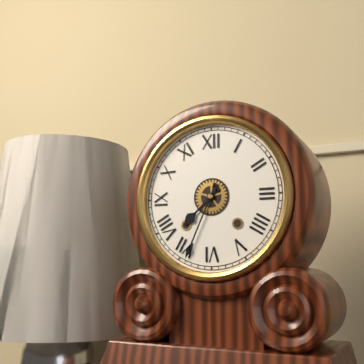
{"hour": 7, "minute": 34}
